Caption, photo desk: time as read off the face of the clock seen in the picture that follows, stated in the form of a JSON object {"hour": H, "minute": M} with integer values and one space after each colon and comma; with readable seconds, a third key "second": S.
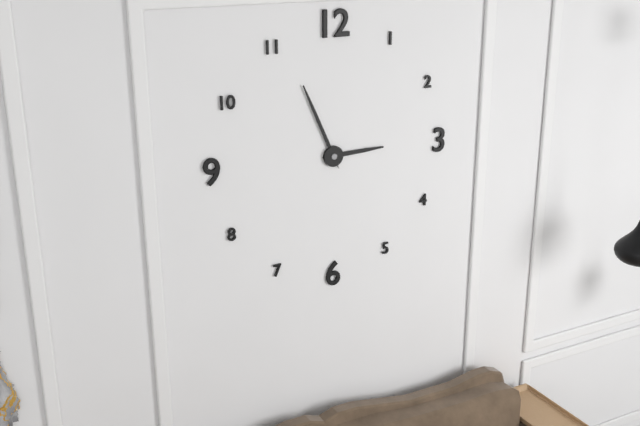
{"hour": 2, "minute": 56}
